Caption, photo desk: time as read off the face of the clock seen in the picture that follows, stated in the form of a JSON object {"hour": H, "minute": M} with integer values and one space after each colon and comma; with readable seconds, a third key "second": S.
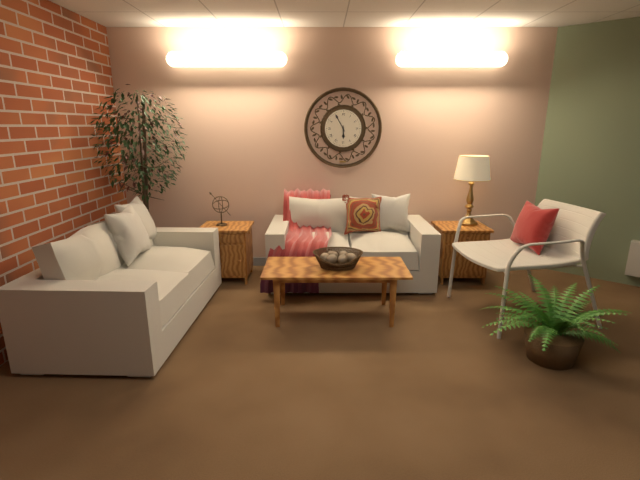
{"hour": 5, "minute": 55}
